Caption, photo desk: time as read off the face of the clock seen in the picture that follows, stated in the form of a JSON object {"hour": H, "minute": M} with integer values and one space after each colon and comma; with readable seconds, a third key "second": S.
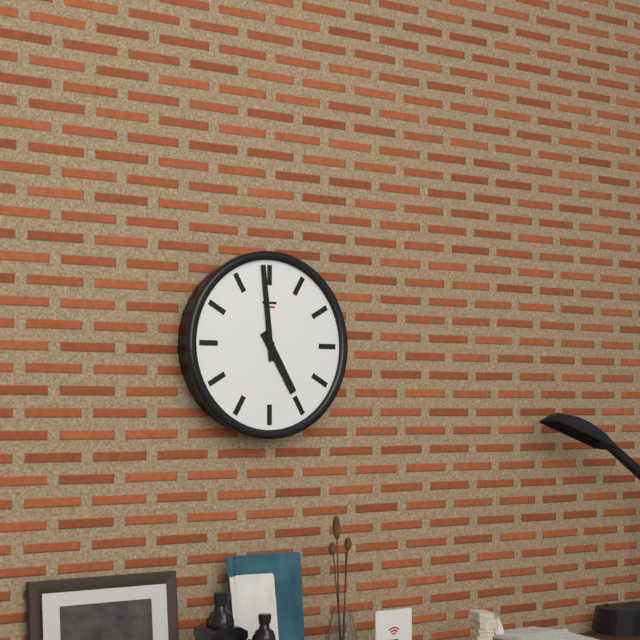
{"hour": 4, "minute": 59}
